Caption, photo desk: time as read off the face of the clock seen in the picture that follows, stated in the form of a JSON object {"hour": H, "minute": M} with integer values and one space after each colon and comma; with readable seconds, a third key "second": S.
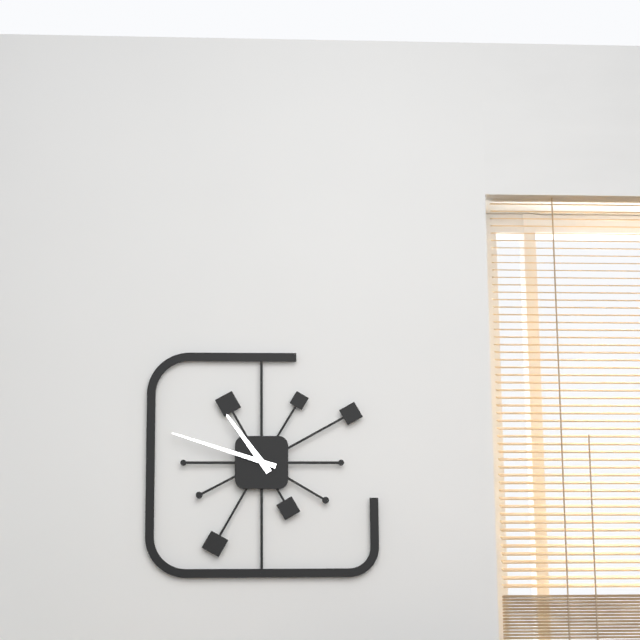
{"hour": 10, "minute": 48}
